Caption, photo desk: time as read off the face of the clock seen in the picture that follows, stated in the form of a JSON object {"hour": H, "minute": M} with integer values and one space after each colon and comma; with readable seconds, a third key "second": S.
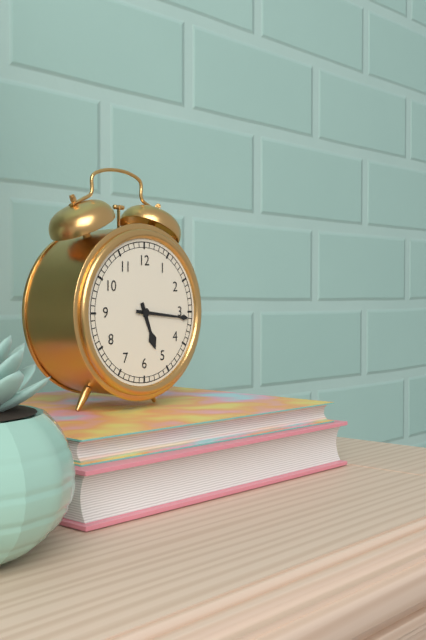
{"hour": 5, "minute": 16}
